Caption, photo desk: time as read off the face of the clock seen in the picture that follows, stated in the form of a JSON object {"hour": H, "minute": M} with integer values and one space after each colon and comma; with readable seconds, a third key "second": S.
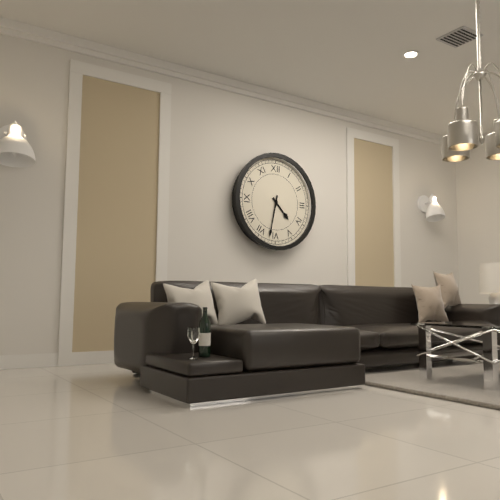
{"hour": 4, "minute": 32}
